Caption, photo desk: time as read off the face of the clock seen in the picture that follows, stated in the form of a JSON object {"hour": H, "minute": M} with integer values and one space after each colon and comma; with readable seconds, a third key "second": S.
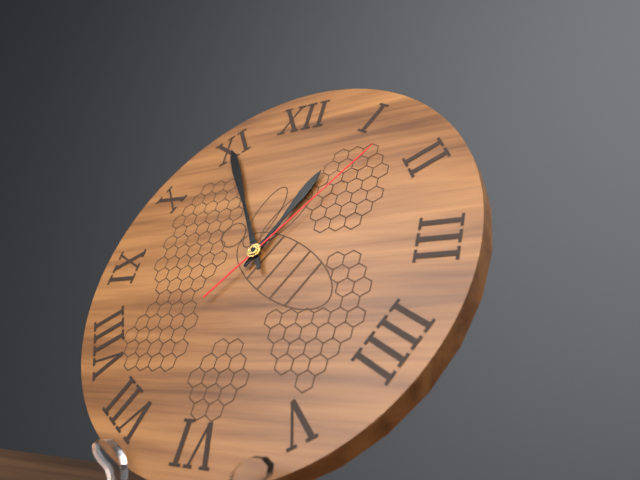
{"hour": 12, "minute": 55, "second": 7}
